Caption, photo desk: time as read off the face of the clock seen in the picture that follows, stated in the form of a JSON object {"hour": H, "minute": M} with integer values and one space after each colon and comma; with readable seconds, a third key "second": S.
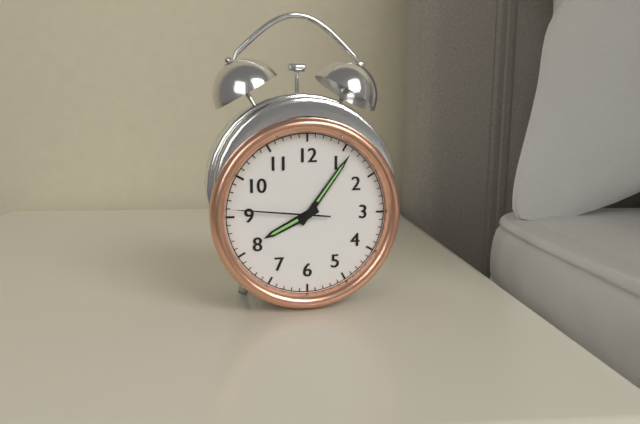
{"hour": 8, "minute": 6, "second": 46}
